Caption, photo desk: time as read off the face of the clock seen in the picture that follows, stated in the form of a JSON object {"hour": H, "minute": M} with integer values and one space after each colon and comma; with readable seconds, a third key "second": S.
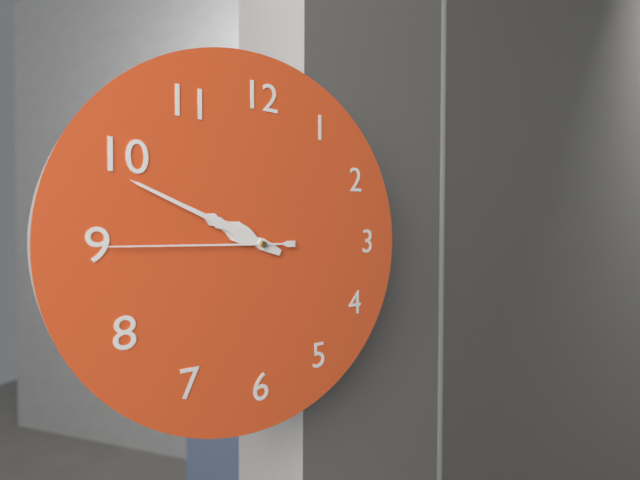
{"hour": 9, "minute": 49, "second": 45}
